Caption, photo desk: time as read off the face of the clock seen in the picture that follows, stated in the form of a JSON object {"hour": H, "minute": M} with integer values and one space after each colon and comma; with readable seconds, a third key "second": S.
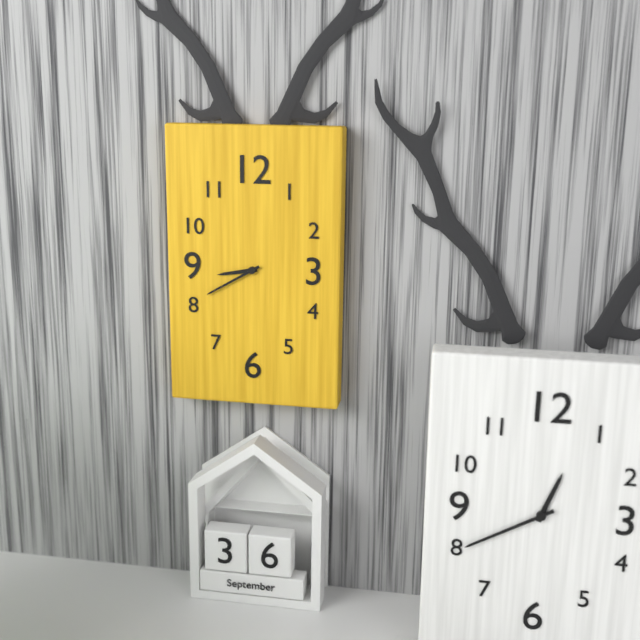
{"hour": 8, "minute": 40}
